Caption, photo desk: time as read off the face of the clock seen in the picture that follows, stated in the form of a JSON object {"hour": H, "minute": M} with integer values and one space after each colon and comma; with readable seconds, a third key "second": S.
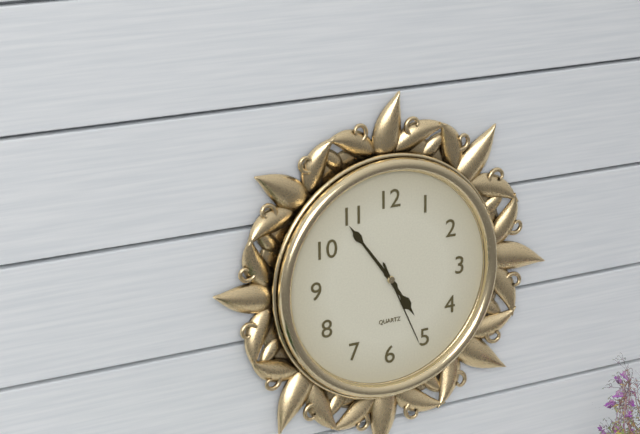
{"hour": 4, "minute": 54, "second": 26}
